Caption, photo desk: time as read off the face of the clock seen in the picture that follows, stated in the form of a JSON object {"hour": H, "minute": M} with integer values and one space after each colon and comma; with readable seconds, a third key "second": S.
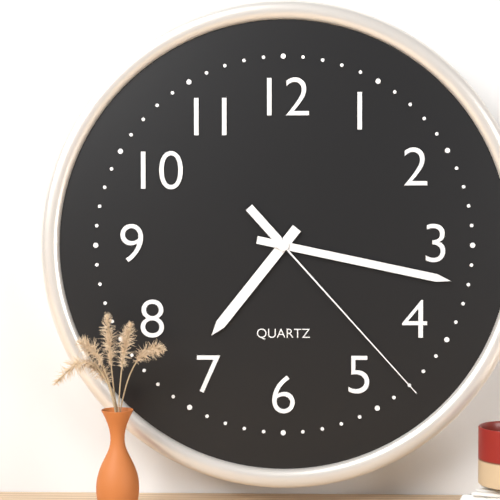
{"hour": 7, "minute": 17, "second": 23}
